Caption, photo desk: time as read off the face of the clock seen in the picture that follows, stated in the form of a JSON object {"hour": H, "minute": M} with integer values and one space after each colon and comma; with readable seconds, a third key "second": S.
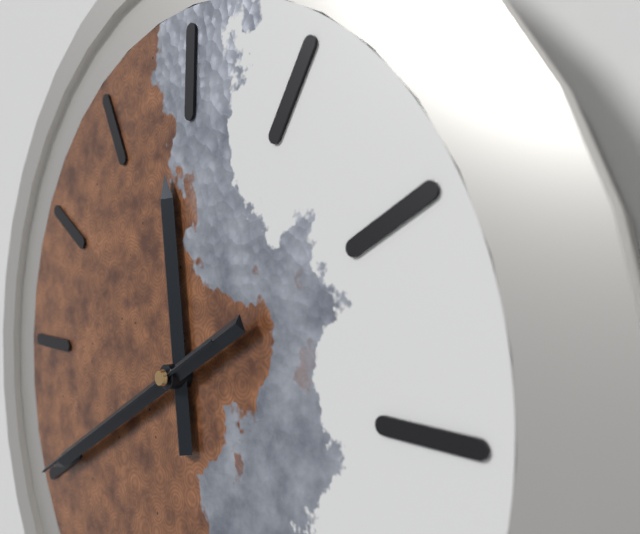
{"hour": 11, "minute": 40, "second": 40}
